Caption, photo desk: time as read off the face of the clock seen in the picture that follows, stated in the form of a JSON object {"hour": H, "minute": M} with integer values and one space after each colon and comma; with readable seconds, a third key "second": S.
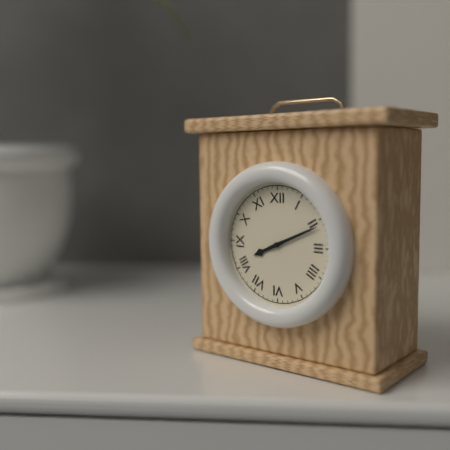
{"hour": 8, "minute": 11}
